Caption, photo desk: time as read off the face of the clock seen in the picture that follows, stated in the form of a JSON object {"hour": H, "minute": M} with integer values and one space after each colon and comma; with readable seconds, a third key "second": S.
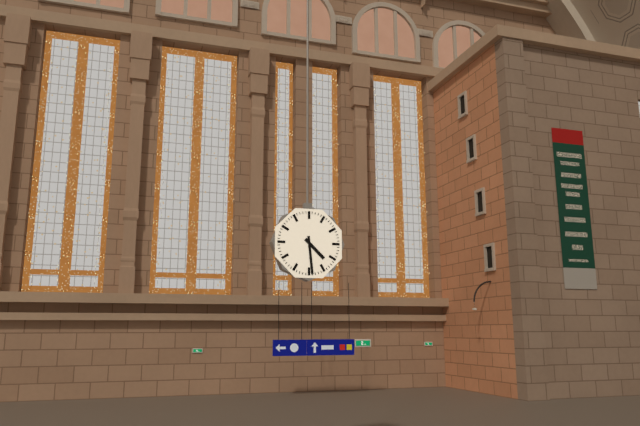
{"hour": 4, "minute": 29}
